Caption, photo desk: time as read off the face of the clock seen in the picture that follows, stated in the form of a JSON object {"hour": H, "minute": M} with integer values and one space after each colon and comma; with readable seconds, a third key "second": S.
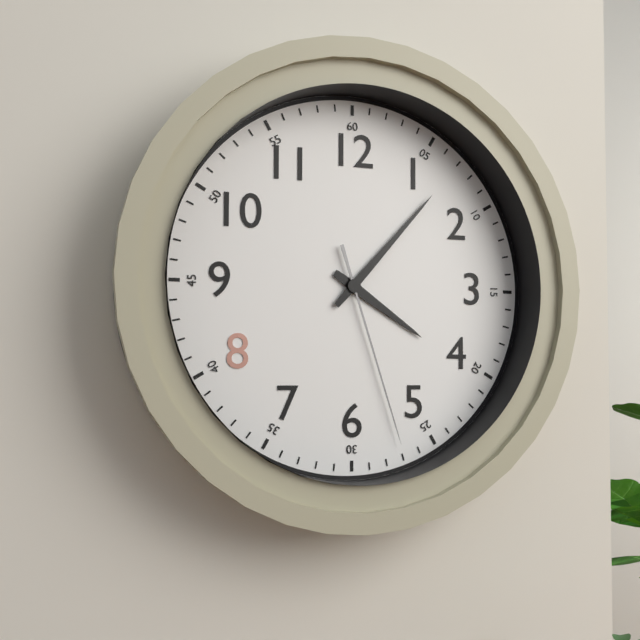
{"hour": 4, "minute": 7, "second": 27}
